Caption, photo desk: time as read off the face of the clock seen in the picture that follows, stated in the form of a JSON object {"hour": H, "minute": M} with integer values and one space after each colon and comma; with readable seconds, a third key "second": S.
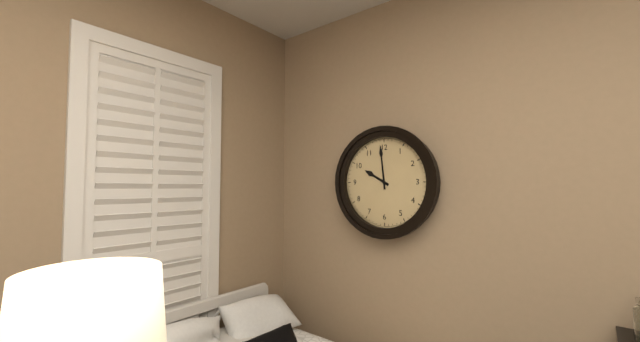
{"hour": 9, "minute": 59}
